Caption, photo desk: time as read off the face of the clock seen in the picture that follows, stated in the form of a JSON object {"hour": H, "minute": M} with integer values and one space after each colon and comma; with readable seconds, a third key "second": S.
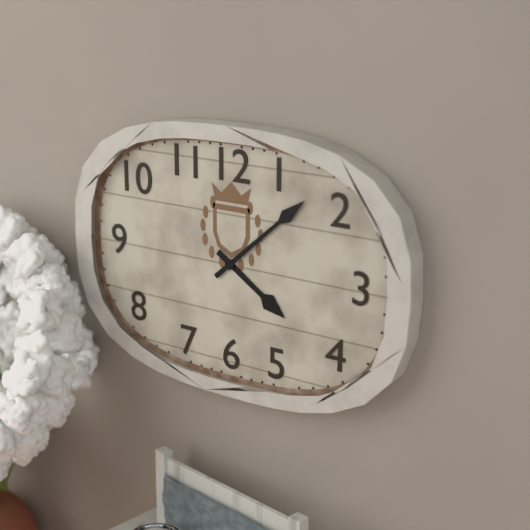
{"hour": 4, "minute": 8}
